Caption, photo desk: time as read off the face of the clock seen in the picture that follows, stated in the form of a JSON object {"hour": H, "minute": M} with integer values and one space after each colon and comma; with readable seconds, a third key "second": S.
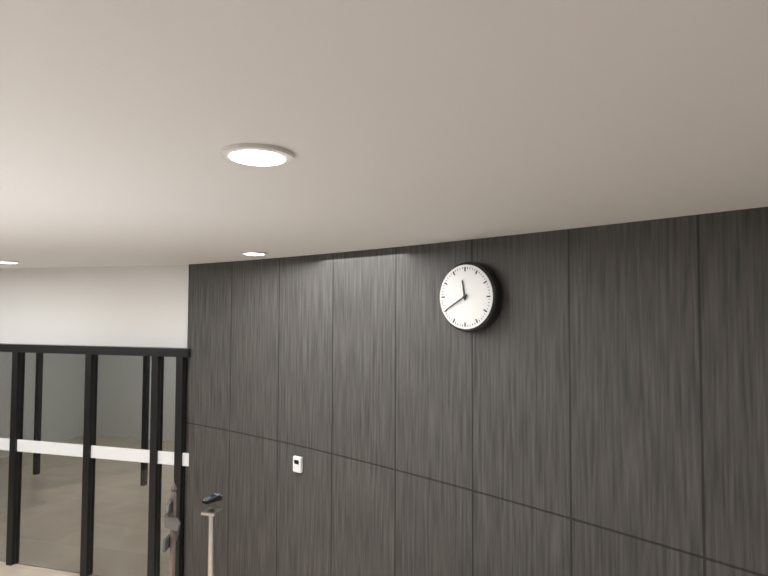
{"hour": 11, "minute": 40}
